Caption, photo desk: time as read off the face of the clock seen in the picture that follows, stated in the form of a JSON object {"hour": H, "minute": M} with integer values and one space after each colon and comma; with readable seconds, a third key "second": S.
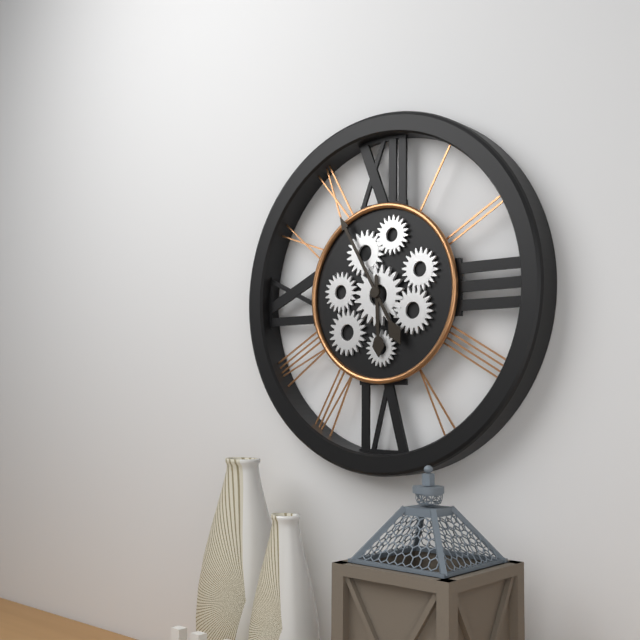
{"hour": 5, "minute": 55}
